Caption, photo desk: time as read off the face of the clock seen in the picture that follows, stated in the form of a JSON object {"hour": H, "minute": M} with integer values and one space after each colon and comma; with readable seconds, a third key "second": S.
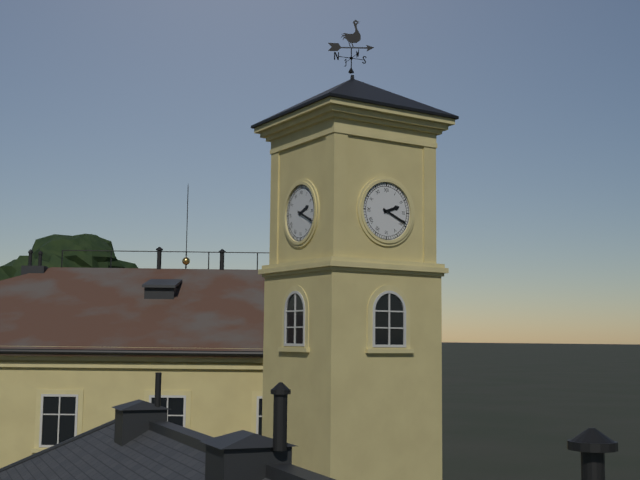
{"hour": 2, "minute": 19}
